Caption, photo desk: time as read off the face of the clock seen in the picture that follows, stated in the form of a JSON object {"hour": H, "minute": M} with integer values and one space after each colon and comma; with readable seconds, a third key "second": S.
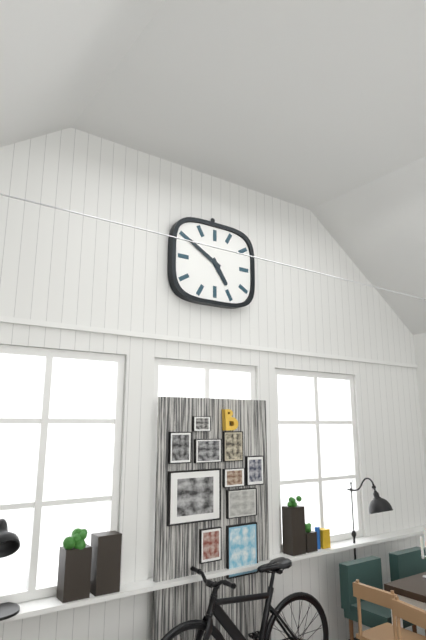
{"hour": 4, "minute": 50}
